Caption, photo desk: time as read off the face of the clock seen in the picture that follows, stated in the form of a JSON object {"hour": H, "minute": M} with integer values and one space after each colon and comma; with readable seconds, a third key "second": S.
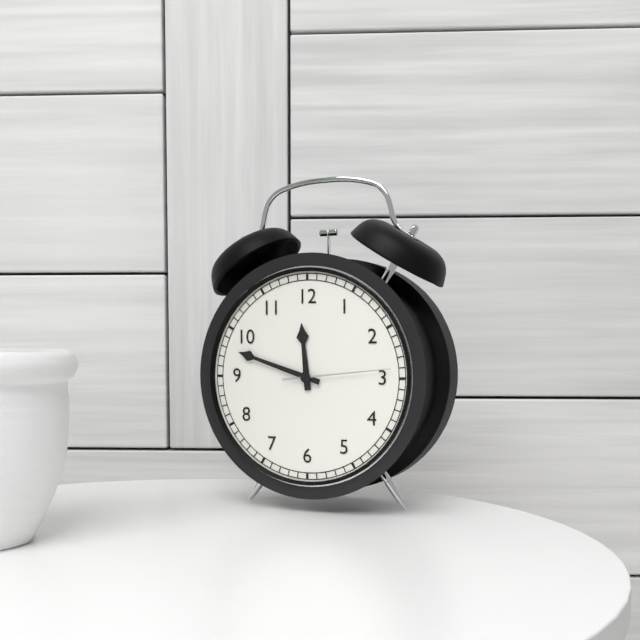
{"hour": 11, "minute": 48, "second": 14}
